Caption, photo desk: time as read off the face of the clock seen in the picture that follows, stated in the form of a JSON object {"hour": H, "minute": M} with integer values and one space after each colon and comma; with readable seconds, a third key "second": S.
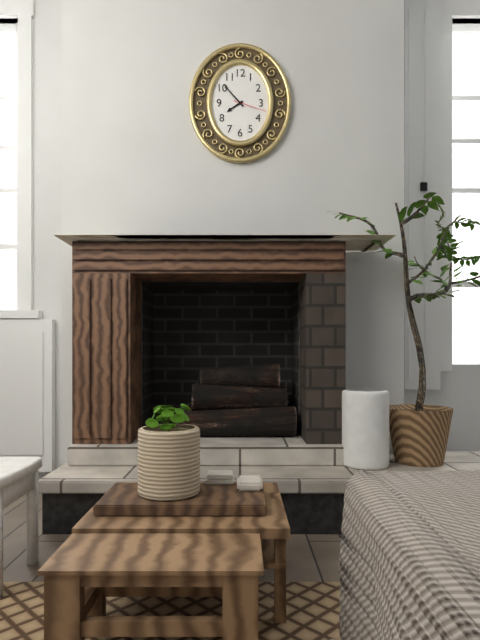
{"hour": 7, "minute": 53}
